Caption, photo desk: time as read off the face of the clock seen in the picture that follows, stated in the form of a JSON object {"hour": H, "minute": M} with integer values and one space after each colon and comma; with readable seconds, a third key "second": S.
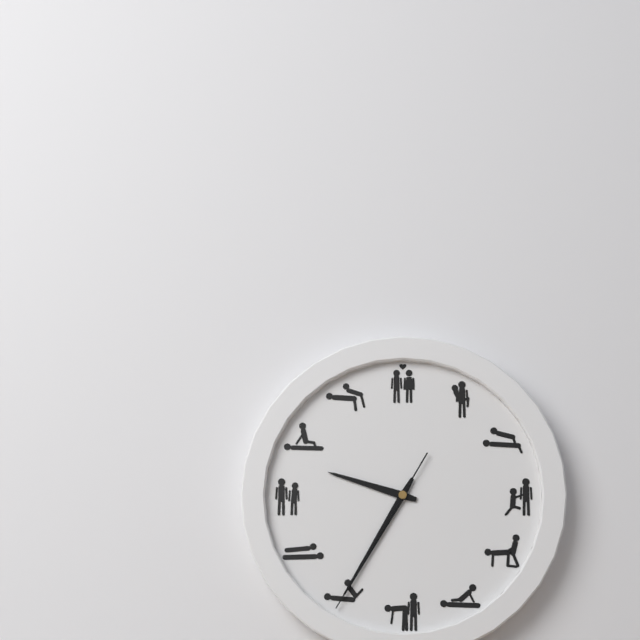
{"hour": 9, "minute": 35, "second": 35}
